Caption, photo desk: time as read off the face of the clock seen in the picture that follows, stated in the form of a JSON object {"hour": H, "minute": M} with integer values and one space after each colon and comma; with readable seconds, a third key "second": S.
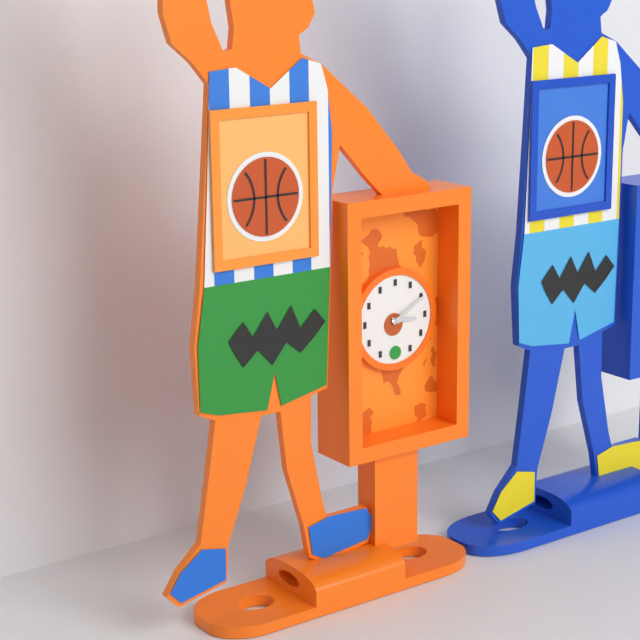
{"hour": 3, "minute": 10}
